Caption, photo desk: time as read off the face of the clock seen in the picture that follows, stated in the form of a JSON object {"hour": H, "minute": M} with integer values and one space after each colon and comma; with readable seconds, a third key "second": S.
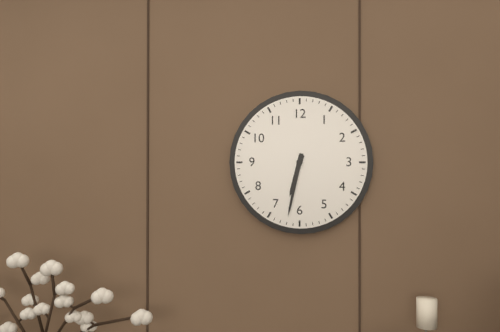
{"hour": 6, "minute": 32}
